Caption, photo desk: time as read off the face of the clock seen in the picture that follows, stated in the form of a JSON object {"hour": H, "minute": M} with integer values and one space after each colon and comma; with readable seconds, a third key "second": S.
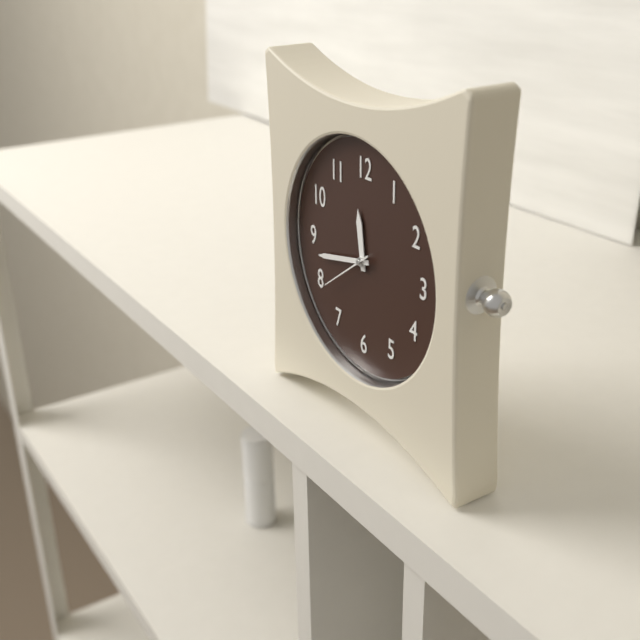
{"hour": 11, "minute": 43, "second": 39}
